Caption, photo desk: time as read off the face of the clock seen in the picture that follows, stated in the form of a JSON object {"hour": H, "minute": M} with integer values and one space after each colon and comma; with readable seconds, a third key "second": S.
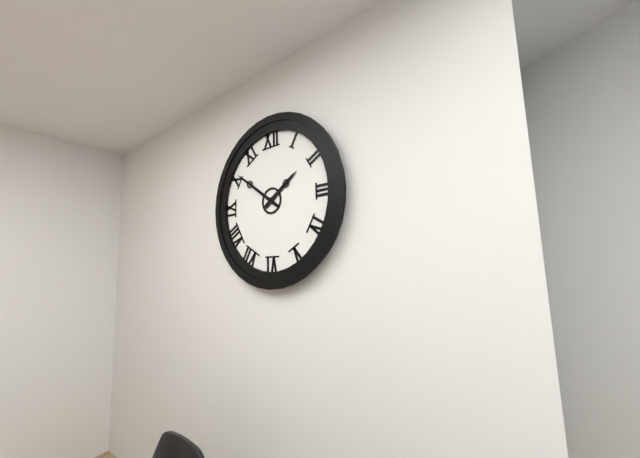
{"hour": 1, "minute": 51}
